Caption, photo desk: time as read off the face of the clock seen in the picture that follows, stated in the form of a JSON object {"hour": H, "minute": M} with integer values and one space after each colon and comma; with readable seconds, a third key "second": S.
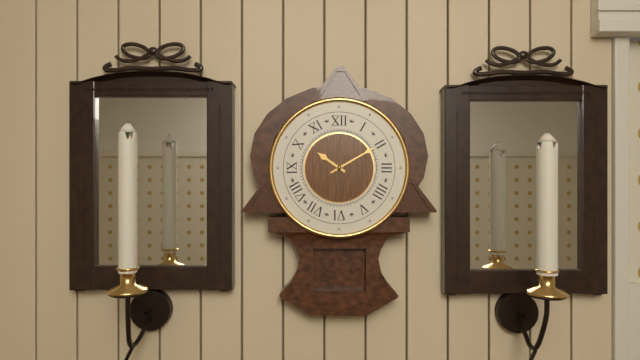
{"hour": 10, "minute": 10}
